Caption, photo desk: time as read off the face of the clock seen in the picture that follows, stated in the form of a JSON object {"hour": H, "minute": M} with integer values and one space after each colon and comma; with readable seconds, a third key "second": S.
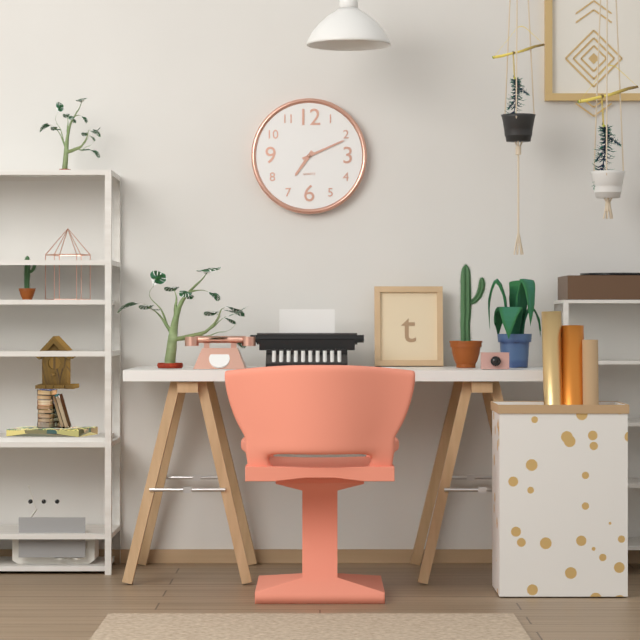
{"hour": 7, "minute": 11}
